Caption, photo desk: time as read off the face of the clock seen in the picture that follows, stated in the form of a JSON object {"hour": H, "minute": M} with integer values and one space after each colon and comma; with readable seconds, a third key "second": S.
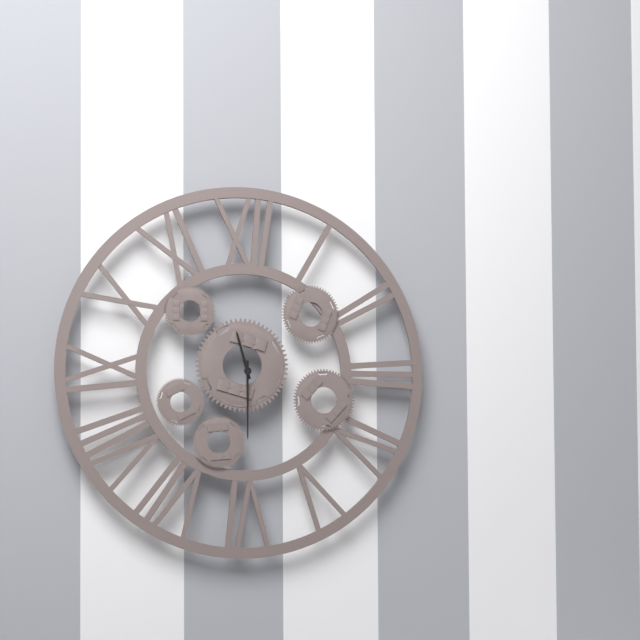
{"hour": 11, "minute": 30}
